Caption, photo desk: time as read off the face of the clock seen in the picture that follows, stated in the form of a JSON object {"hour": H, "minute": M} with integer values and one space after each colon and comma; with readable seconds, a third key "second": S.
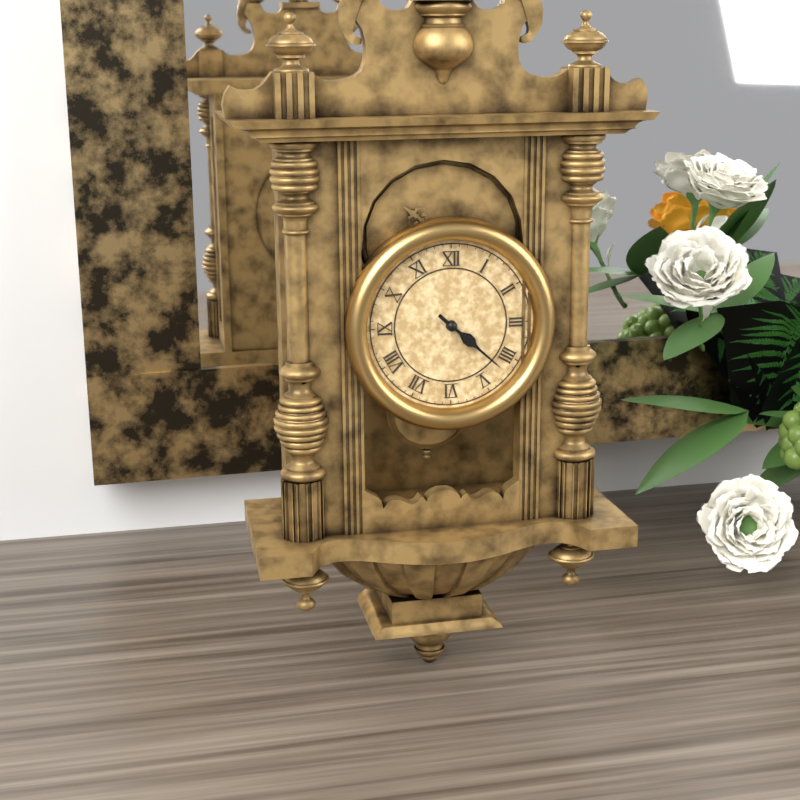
{"hour": 4, "minute": 22}
